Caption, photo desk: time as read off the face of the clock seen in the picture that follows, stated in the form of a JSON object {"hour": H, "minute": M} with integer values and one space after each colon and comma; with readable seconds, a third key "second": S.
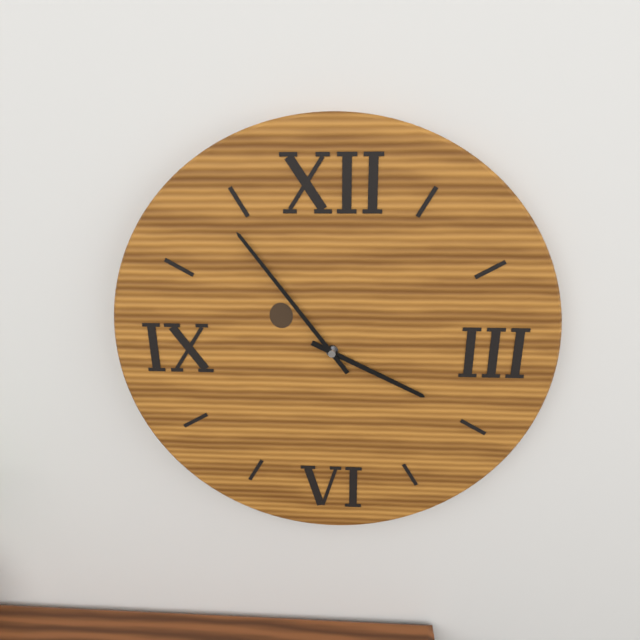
{"hour": 3, "minute": 54}
